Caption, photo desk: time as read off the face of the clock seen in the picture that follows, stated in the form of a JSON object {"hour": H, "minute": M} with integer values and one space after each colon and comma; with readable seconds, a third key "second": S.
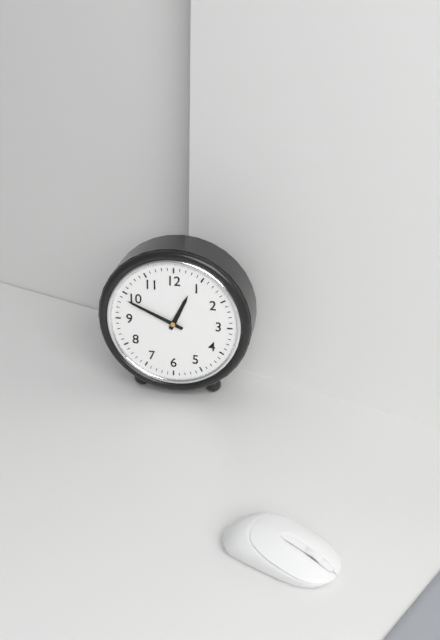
{"hour": 12, "minute": 49}
